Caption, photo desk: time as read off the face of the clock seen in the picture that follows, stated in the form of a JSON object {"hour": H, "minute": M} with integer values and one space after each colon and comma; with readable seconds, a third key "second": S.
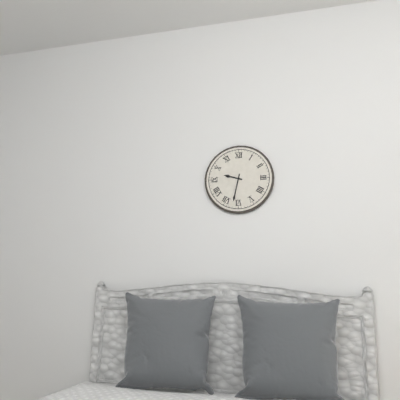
{"hour": 9, "minute": 32}
